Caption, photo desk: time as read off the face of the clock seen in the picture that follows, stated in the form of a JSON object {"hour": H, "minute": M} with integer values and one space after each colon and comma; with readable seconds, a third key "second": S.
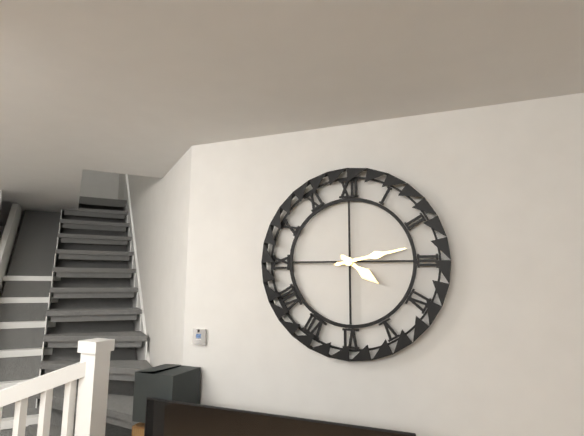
{"hour": 4, "minute": 13}
